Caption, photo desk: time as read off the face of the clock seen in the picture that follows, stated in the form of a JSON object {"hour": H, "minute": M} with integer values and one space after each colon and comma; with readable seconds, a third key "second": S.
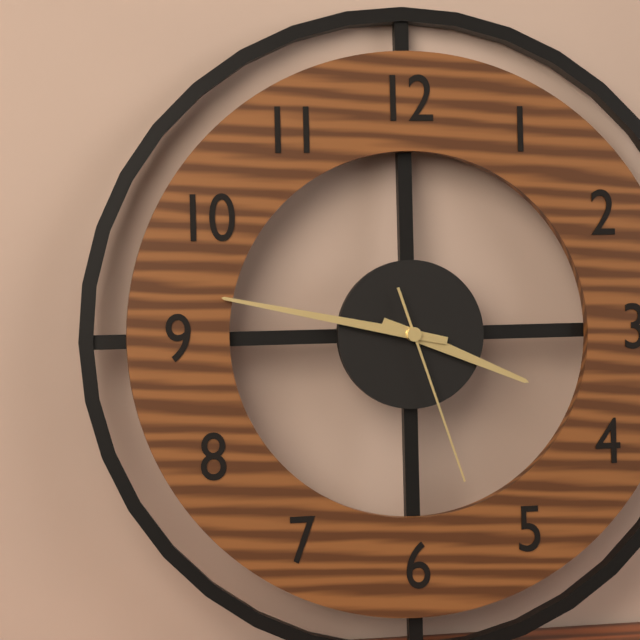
{"hour": 3, "minute": 47, "second": 27}
